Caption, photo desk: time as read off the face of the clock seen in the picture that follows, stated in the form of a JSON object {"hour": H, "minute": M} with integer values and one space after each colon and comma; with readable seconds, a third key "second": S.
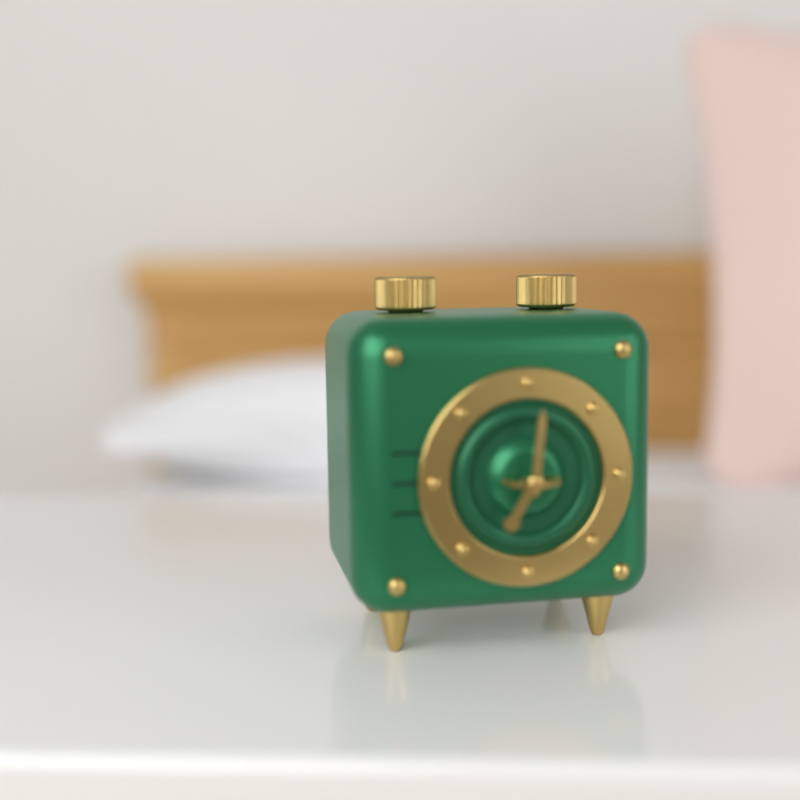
{"hour": 7, "minute": 1}
